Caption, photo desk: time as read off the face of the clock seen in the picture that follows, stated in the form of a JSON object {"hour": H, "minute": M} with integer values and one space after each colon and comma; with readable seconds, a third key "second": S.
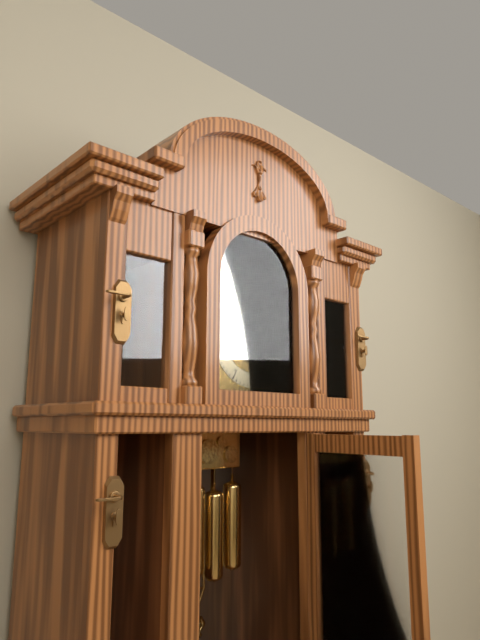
{"hour": 5, "minute": 41}
